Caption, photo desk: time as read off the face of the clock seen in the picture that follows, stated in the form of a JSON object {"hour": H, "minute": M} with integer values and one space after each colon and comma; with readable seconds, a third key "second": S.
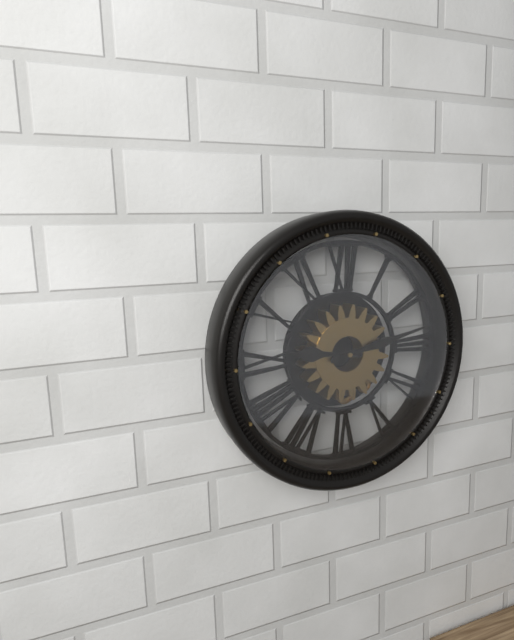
{"hour": 9, "minute": 13}
